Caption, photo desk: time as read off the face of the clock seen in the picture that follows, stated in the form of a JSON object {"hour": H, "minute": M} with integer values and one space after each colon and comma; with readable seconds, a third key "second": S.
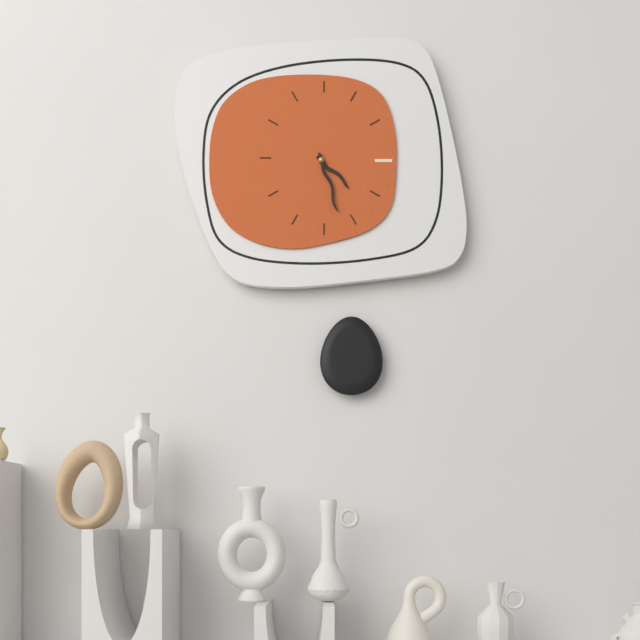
{"hour": 4, "minute": 27}
